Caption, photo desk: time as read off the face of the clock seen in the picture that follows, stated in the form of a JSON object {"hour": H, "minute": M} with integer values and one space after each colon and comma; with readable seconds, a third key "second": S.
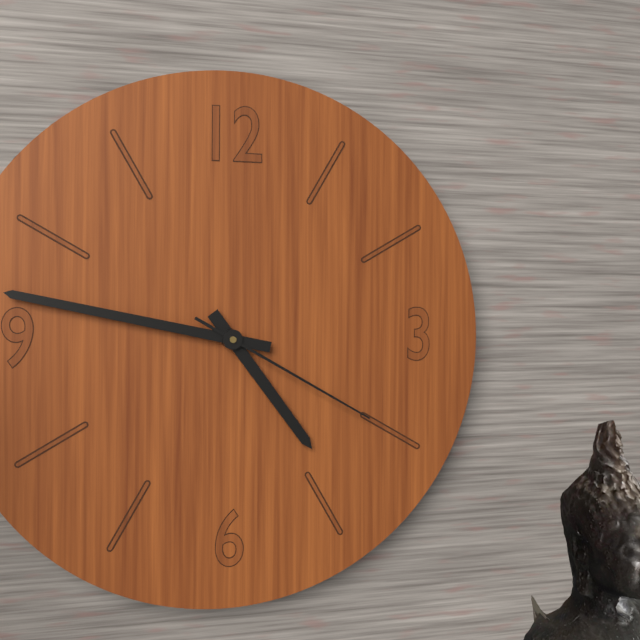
{"hour": 4, "minute": 47, "second": 20}
